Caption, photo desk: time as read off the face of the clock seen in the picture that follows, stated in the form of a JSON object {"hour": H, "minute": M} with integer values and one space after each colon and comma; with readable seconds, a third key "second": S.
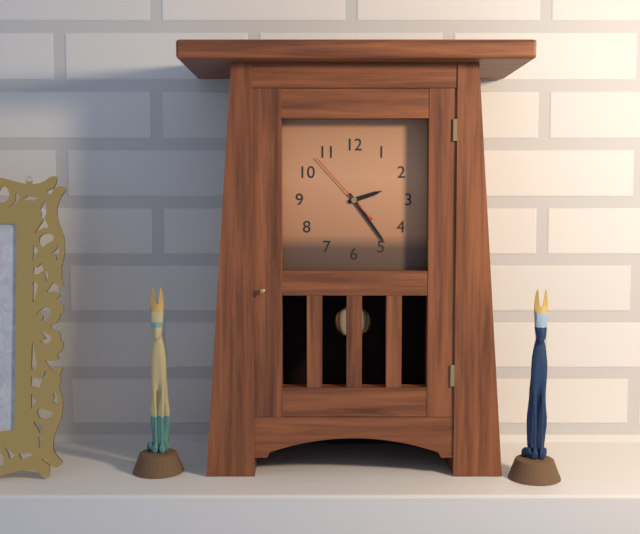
{"hour": 2, "minute": 24, "second": 53}
